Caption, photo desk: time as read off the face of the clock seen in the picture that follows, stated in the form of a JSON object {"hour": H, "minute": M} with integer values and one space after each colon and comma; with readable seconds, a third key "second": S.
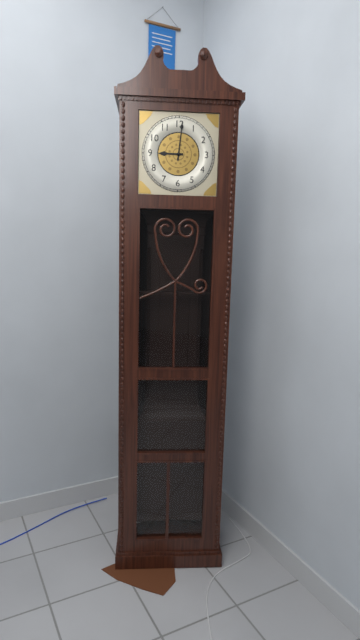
{"hour": 9, "minute": 1}
